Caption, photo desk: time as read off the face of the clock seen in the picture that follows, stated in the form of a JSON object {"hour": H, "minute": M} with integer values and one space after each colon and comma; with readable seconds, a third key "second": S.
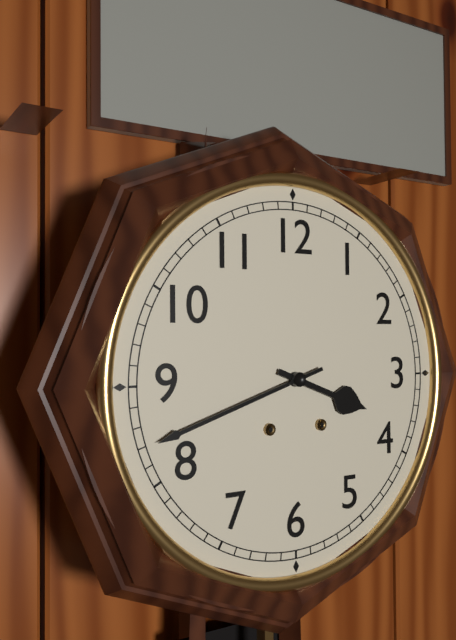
{"hour": 3, "minute": 42}
